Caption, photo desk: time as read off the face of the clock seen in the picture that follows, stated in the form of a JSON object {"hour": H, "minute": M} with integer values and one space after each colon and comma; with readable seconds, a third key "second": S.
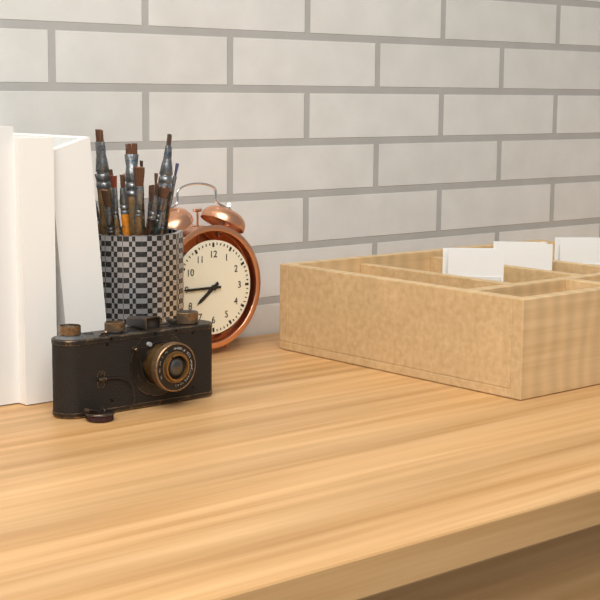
{"hour": 7, "minute": 45}
